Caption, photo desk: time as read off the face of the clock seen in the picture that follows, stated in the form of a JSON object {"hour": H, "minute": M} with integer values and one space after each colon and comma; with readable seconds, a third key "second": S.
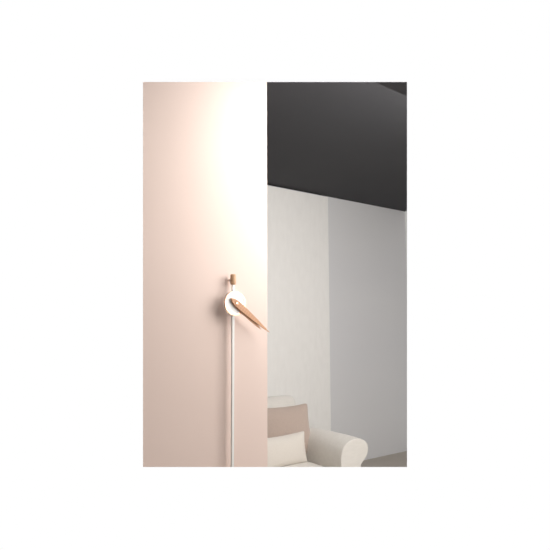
{"hour": 4, "minute": 21}
